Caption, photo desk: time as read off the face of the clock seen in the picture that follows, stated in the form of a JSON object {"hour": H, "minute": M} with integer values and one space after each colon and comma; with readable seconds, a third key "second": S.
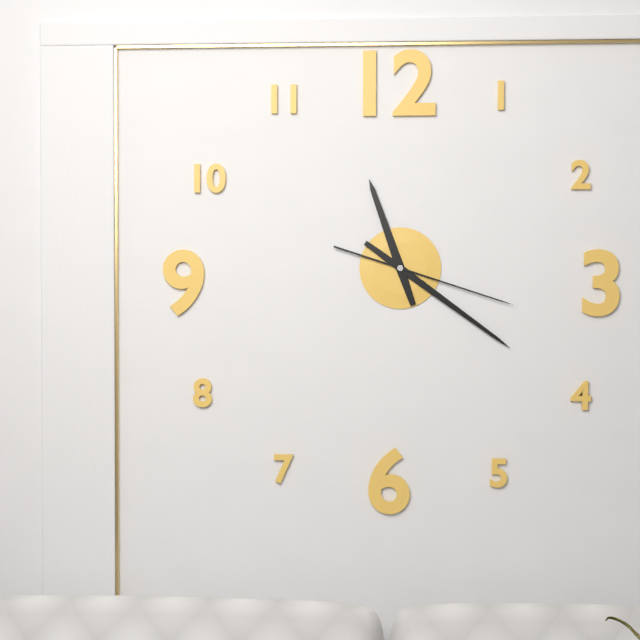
{"hour": 11, "minute": 21, "second": 18}
